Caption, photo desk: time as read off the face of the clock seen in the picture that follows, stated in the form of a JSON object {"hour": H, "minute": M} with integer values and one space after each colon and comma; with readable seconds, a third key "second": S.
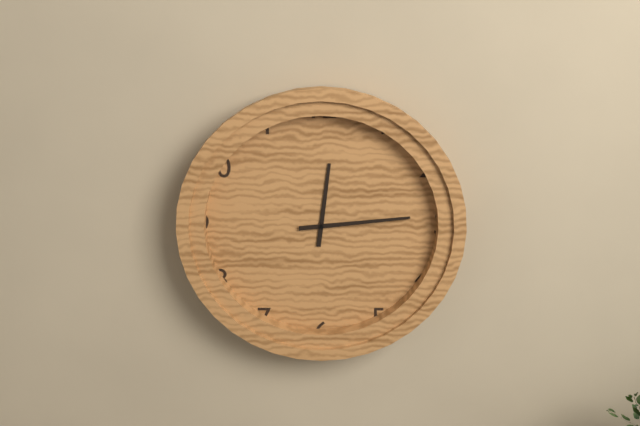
{"hour": 12, "minute": 14}
